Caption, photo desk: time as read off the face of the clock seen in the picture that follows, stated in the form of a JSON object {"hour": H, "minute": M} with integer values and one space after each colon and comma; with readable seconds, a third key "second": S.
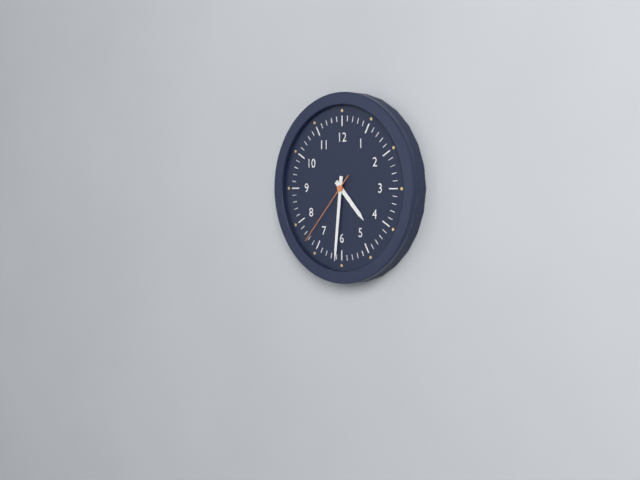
{"hour": 4, "minute": 31, "second": 37}
